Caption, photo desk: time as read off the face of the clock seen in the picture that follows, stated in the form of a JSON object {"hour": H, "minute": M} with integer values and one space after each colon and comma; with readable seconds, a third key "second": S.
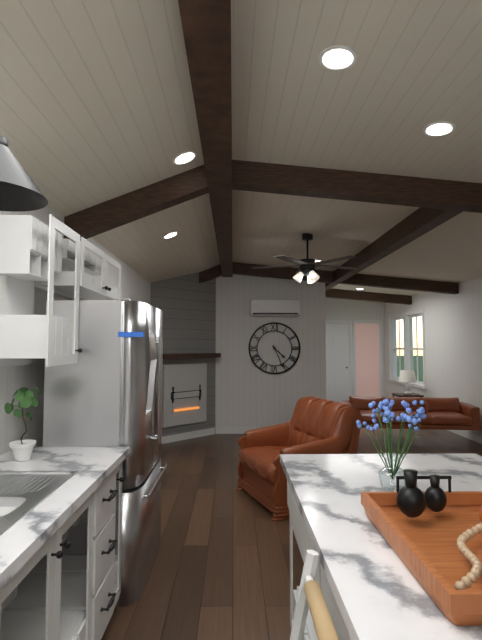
{"hour": 4, "minute": 26}
